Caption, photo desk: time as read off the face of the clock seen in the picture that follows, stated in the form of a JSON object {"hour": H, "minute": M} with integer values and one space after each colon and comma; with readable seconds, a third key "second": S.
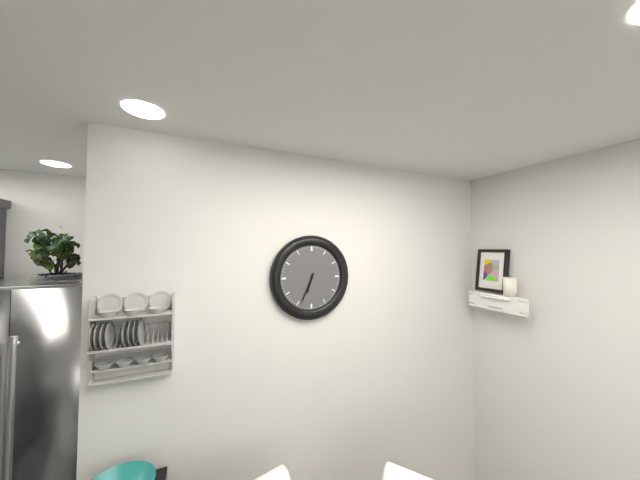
{"hour": 6, "minute": 34}
